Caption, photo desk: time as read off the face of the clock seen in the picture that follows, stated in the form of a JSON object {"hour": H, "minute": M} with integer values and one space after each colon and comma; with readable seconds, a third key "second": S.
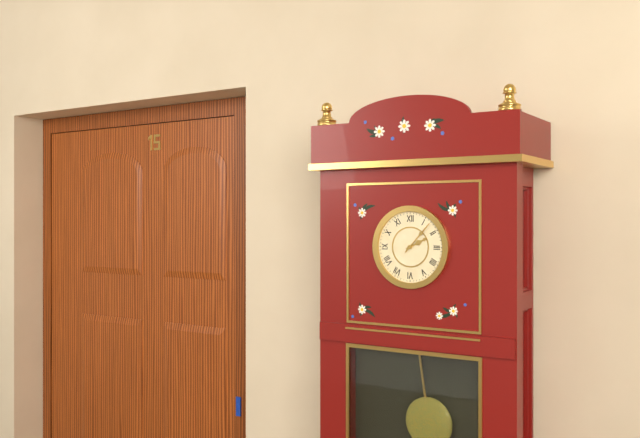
{"hour": 2, "minute": 7}
